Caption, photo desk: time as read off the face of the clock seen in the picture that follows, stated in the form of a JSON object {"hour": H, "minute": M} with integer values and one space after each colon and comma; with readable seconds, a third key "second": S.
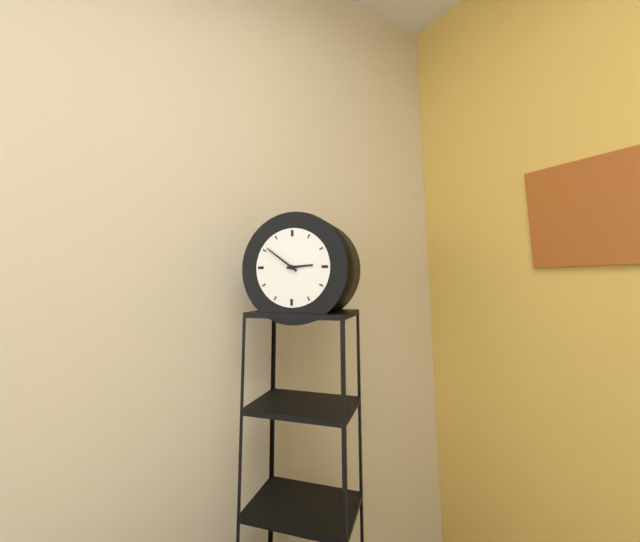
{"hour": 2, "minute": 51}
